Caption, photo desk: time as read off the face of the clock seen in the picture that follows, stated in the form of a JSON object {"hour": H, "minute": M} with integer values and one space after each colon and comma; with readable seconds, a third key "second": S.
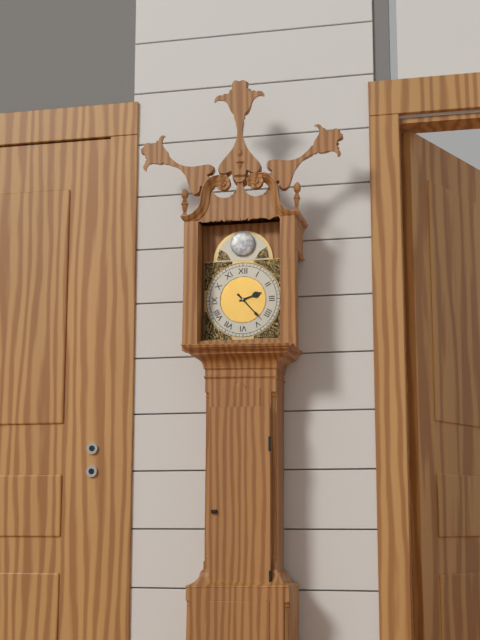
{"hour": 2, "minute": 23}
